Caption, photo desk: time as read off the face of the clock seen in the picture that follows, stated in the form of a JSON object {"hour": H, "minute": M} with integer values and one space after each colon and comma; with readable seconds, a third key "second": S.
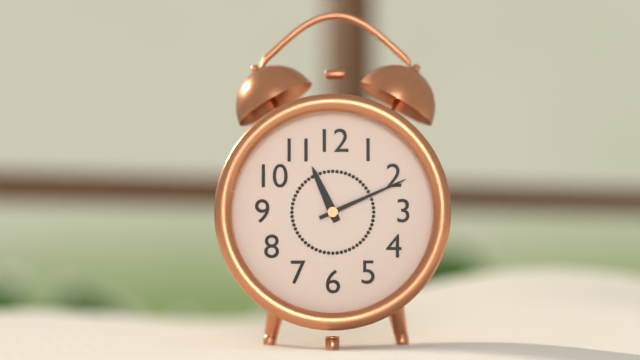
{"hour": 11, "minute": 11}
